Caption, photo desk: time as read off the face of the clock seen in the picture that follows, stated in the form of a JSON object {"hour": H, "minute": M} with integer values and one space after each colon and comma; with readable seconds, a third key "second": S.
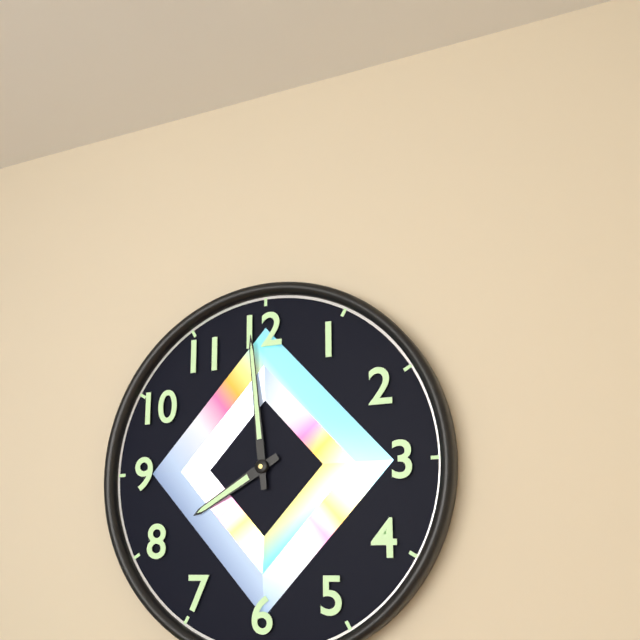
{"hour": 7, "minute": 59}
